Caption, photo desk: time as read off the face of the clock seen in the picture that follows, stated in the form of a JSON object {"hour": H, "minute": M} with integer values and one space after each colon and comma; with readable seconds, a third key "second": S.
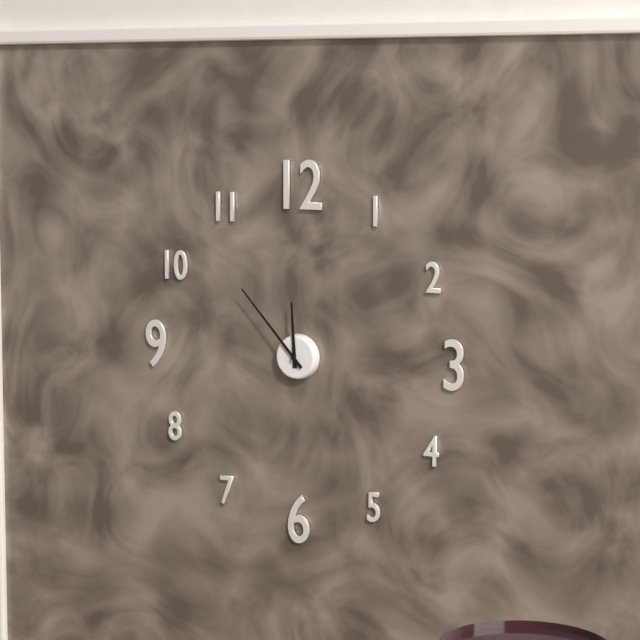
{"hour": 11, "minute": 53}
